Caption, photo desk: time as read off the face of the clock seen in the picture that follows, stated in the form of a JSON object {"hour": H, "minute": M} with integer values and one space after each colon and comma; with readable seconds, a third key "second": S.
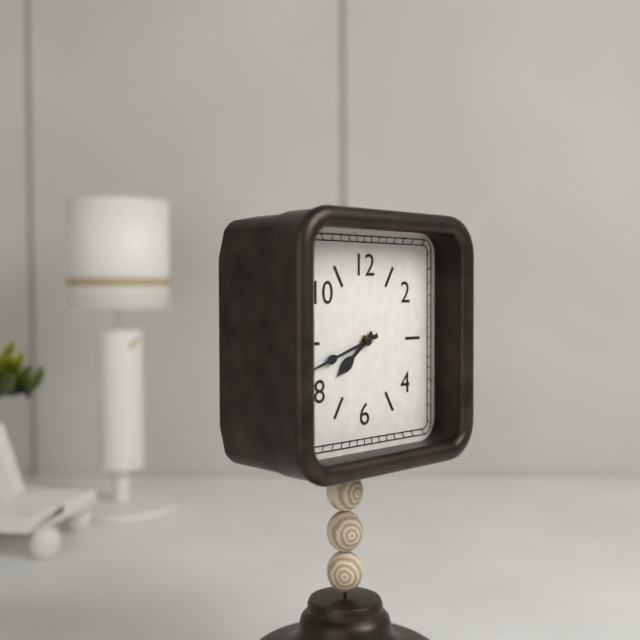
{"hour": 7, "minute": 42}
